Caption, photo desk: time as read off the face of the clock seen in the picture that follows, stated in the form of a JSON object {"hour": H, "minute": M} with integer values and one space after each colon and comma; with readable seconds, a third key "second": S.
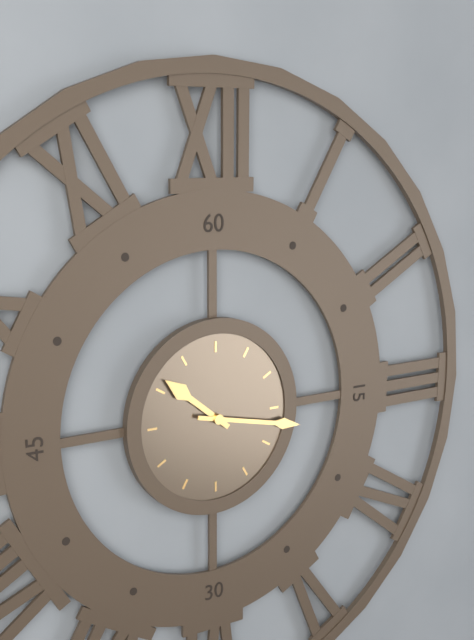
{"hour": 10, "minute": 17}
